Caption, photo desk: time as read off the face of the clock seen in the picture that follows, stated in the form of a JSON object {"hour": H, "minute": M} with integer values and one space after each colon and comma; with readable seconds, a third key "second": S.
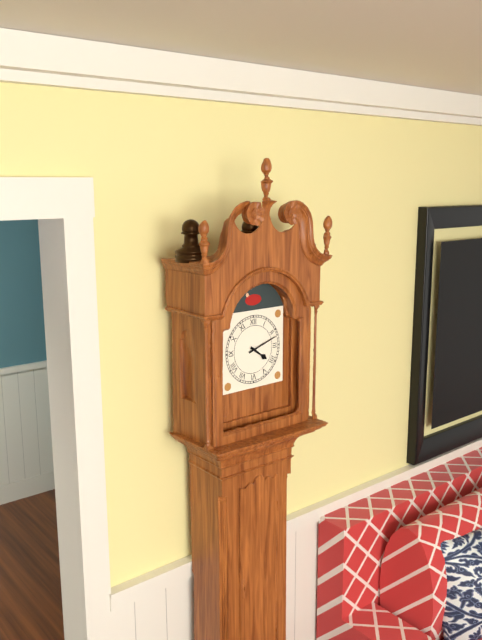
{"hour": 4, "minute": 12}
